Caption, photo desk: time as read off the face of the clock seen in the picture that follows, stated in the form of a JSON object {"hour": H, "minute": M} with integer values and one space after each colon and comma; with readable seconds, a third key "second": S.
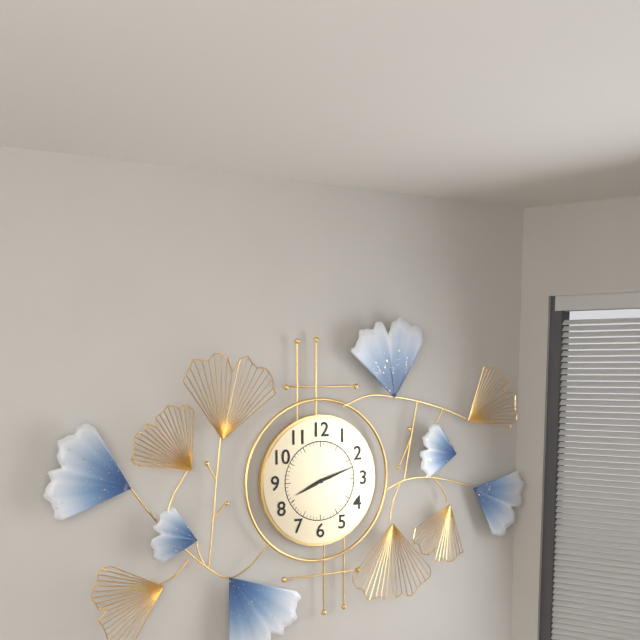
{"hour": 8, "minute": 12}
